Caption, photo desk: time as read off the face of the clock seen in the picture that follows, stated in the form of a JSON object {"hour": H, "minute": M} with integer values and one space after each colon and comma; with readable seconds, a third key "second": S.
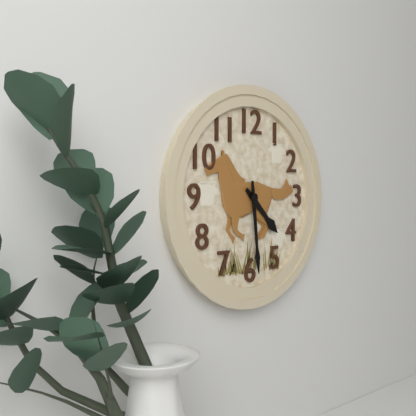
{"hour": 4, "minute": 29}
